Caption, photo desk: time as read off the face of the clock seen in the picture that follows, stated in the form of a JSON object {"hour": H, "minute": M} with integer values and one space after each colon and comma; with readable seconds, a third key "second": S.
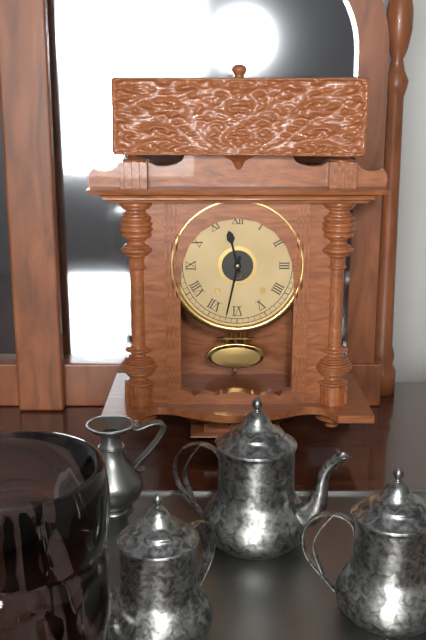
{"hour": 11, "minute": 32}
